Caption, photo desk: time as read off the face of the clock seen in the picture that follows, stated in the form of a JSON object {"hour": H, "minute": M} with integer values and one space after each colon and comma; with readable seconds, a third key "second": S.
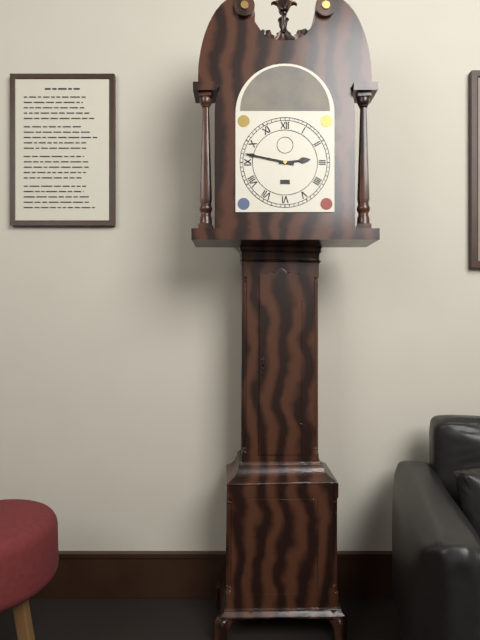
{"hour": 2, "minute": 47}
